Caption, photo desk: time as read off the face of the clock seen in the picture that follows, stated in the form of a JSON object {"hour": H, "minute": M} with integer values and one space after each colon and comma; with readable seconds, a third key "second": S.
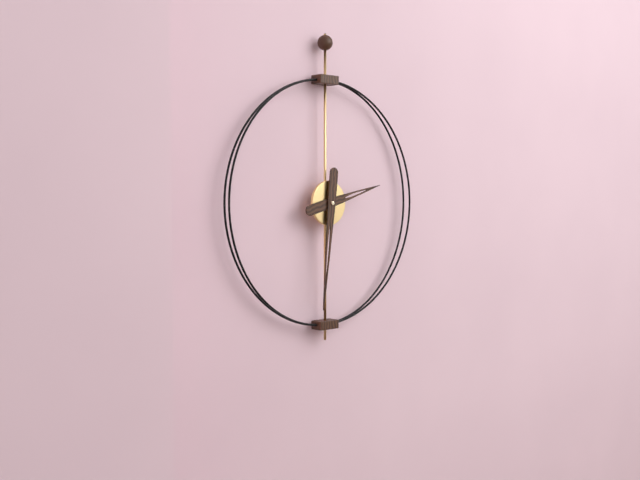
{"hour": 2, "minute": 31}
